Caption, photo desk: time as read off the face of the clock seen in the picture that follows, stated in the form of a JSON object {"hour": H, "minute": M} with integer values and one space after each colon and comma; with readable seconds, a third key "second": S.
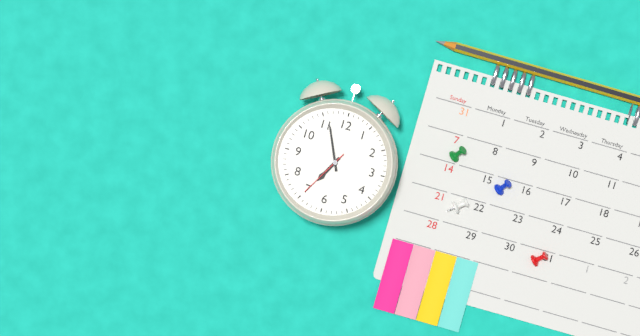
{"hour": 6, "minute": 56, "second": 35}
